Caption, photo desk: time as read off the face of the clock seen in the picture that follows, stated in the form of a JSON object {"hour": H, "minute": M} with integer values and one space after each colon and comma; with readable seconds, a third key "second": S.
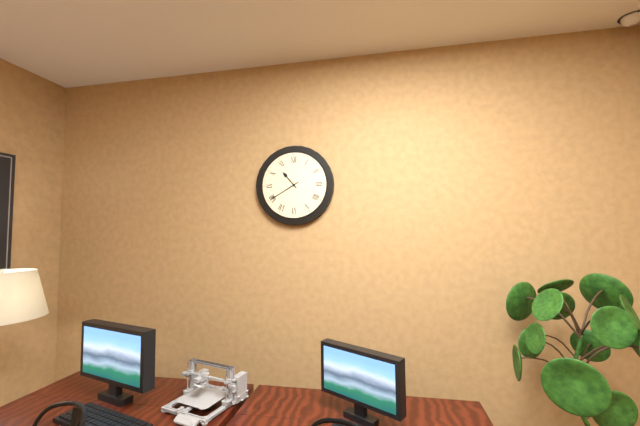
{"hour": 10, "minute": 40}
